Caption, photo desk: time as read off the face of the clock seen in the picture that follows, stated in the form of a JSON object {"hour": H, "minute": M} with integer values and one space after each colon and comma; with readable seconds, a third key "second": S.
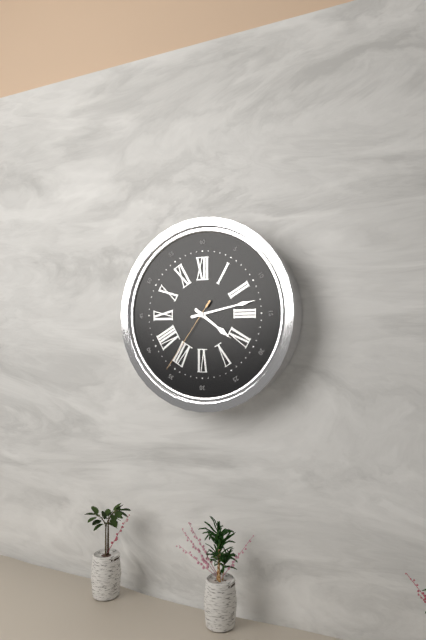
{"hour": 4, "minute": 13, "second": 36}
